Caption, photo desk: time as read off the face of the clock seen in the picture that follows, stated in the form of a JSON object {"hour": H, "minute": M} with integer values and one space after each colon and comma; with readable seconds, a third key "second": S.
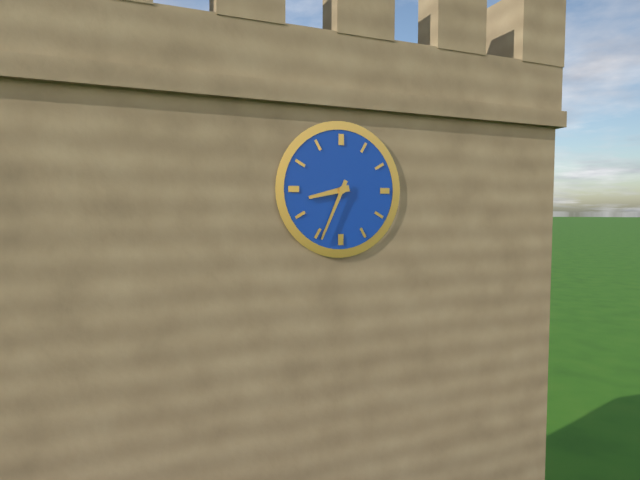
{"hour": 8, "minute": 34}
